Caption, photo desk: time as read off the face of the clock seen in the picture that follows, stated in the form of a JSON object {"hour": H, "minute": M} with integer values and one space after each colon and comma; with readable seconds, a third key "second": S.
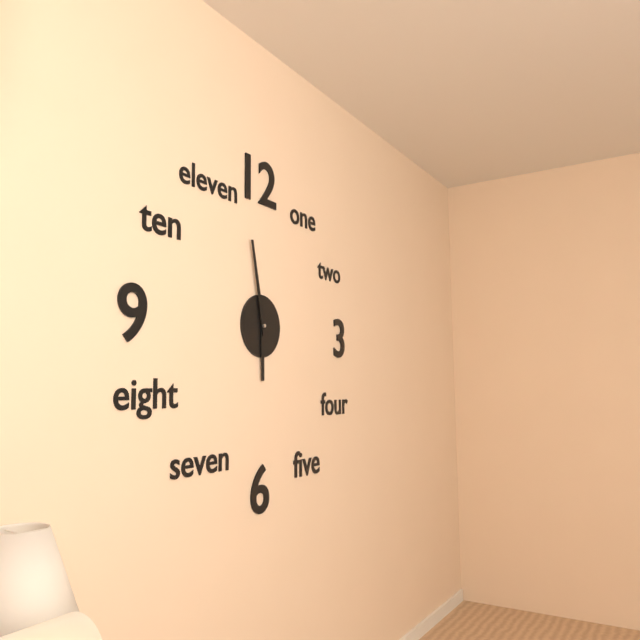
{"hour": 5, "minute": 58}
